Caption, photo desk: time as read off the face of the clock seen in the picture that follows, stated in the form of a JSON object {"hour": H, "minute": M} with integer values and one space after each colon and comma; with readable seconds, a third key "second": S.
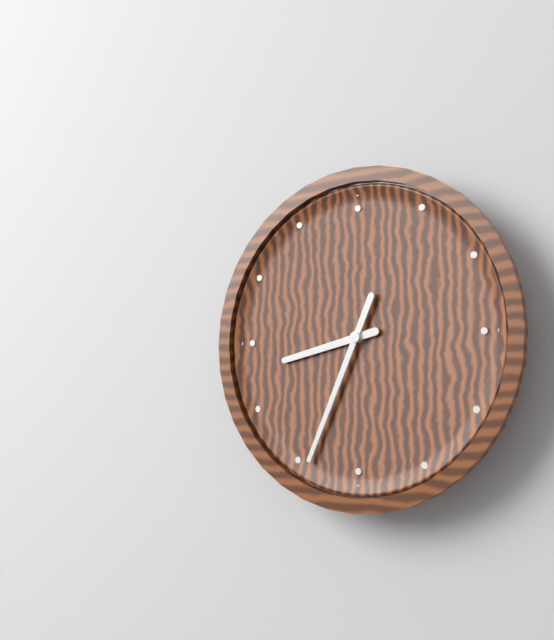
{"hour": 8, "minute": 34}
